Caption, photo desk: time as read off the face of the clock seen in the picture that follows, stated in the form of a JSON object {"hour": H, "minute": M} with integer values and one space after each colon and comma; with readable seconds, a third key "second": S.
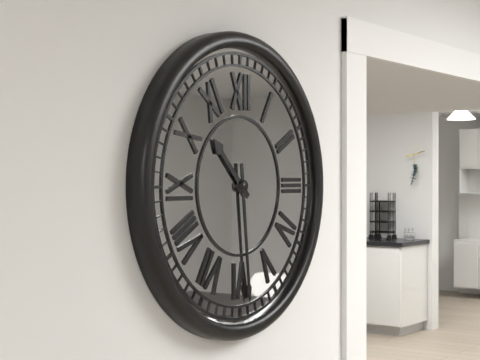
{"hour": 10, "minute": 29}
